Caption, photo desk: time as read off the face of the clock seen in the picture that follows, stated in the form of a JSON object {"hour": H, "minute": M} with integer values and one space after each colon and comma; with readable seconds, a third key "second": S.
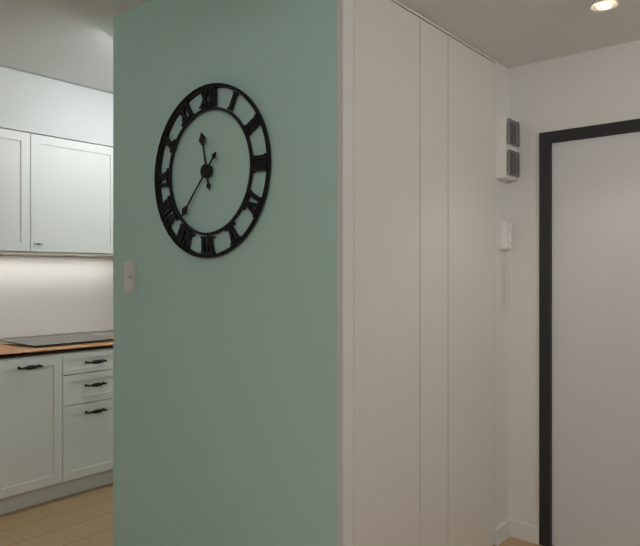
{"hour": 11, "minute": 37}
